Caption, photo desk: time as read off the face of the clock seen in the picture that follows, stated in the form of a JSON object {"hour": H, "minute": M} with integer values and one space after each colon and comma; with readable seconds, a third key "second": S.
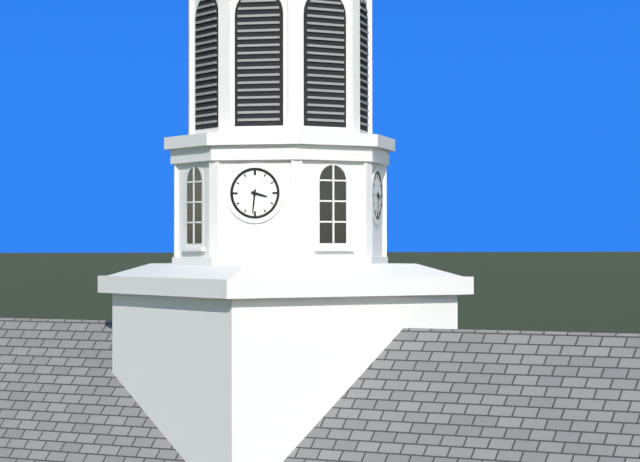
{"hour": 3, "minute": 31}
